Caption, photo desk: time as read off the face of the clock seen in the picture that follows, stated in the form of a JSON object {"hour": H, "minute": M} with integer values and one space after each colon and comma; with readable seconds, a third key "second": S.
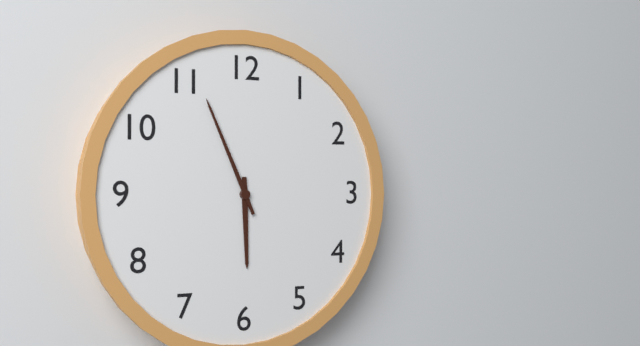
{"hour": 5, "minute": 56}
